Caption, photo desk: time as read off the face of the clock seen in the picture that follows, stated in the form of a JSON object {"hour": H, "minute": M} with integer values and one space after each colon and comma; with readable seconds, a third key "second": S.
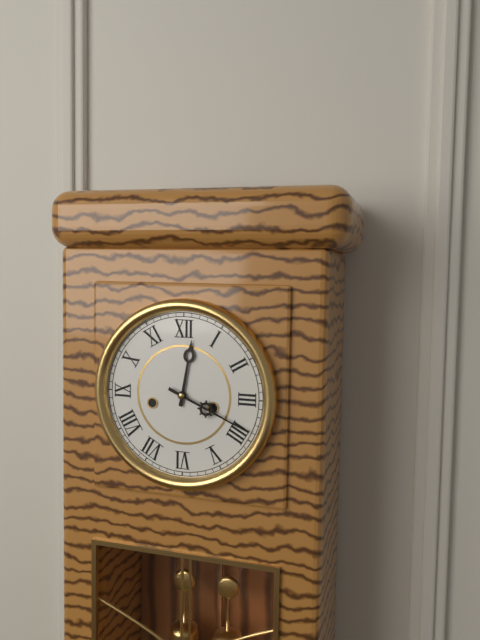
{"hour": 12, "minute": 19}
